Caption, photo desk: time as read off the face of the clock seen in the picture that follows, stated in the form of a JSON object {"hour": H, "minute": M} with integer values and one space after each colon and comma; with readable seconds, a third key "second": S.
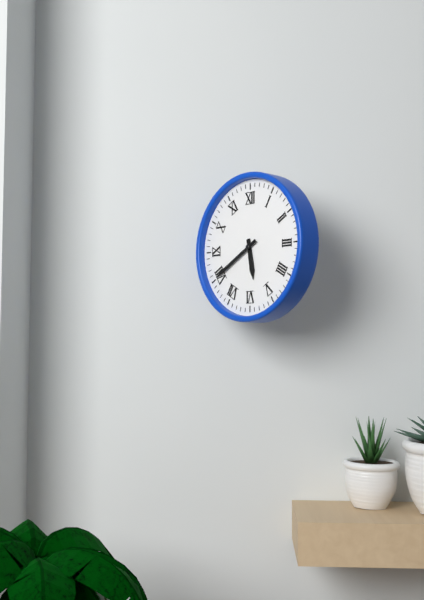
{"hour": 5, "minute": 40}
